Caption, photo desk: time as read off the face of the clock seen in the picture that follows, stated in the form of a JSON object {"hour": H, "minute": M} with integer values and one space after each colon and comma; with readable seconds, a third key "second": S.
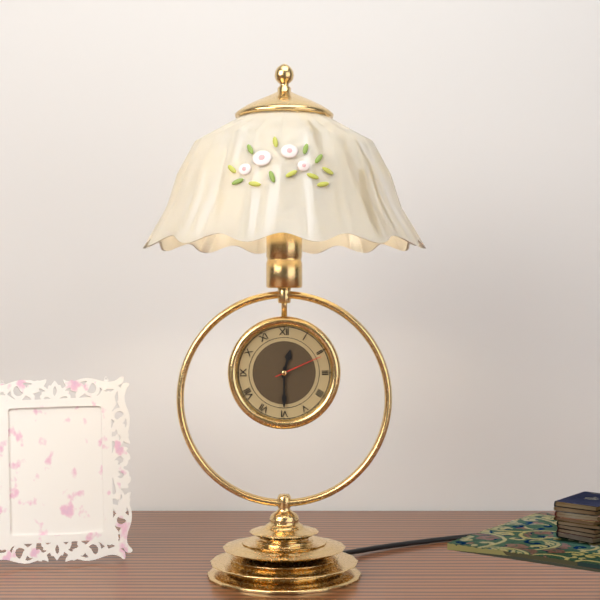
{"hour": 12, "minute": 30, "second": 11}
